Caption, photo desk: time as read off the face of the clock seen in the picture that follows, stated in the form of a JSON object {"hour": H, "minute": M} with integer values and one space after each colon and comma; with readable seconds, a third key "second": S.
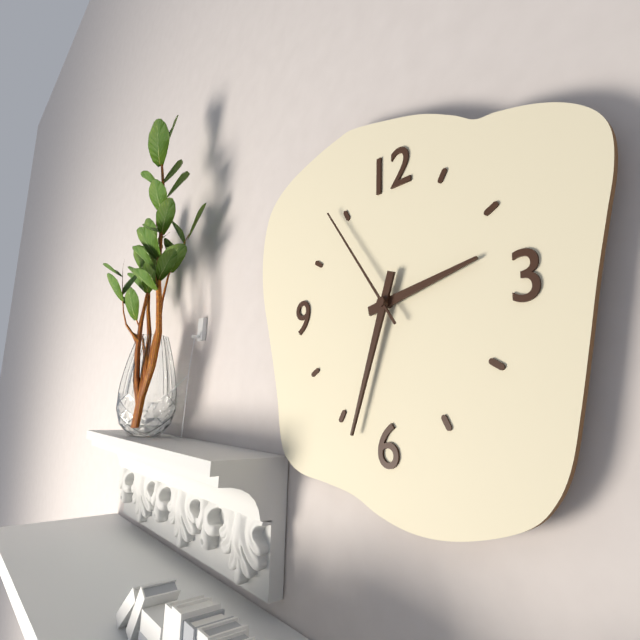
{"hour": 2, "minute": 33, "second": 54}
